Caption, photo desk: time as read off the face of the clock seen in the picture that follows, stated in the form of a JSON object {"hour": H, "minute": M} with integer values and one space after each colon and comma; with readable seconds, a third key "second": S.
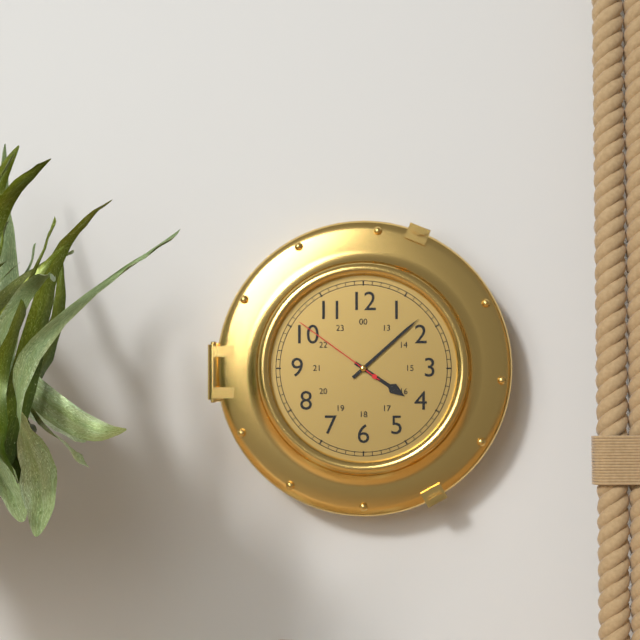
{"hour": 4, "minute": 8, "second": 51}
